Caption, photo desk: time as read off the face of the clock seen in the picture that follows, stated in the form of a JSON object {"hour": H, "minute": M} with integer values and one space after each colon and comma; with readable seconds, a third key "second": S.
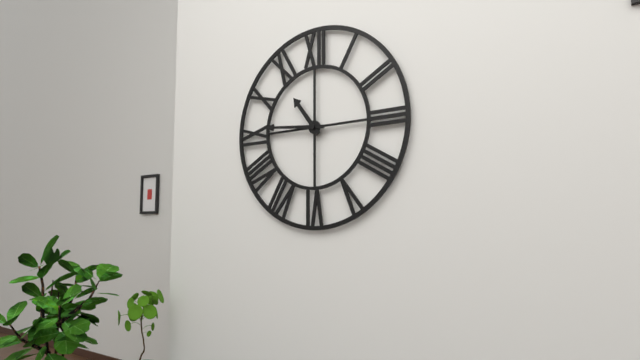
{"hour": 10, "minute": 46}
